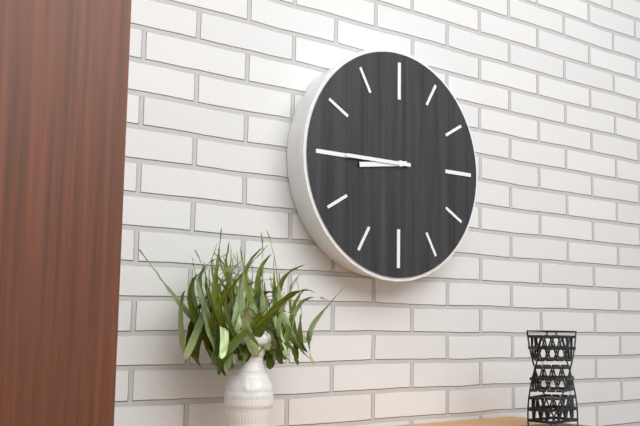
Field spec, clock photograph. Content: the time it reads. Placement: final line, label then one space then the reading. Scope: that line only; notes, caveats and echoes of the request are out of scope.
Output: 8:45
